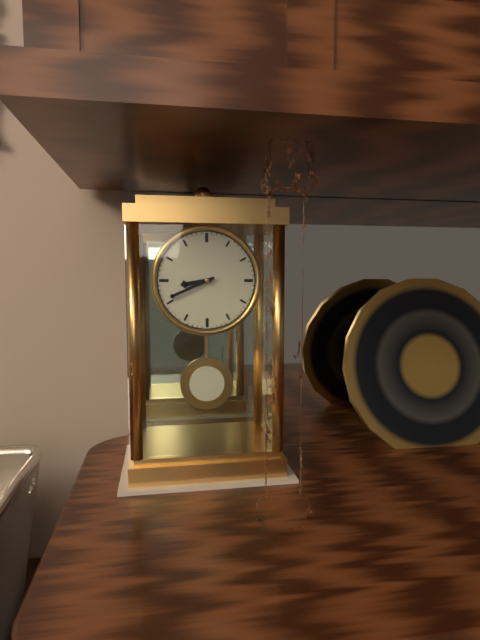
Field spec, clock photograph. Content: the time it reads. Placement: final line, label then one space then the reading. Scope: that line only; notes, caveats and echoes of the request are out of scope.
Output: 8:41
